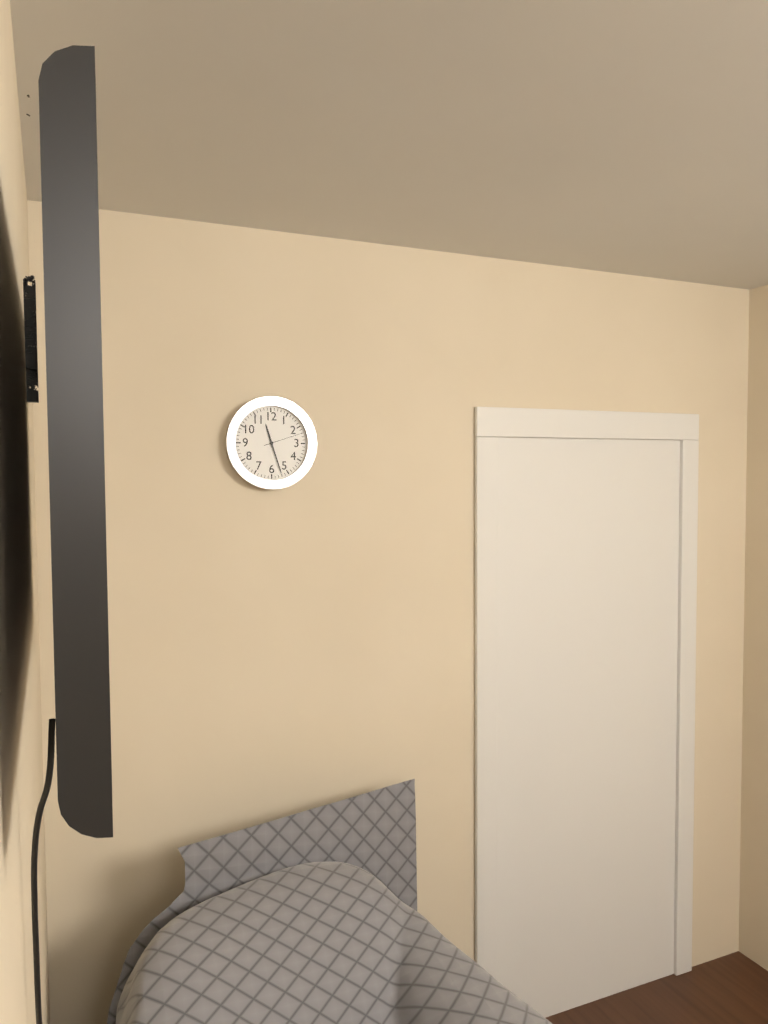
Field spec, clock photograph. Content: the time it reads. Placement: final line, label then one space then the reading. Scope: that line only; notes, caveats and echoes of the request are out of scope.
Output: 11:27
